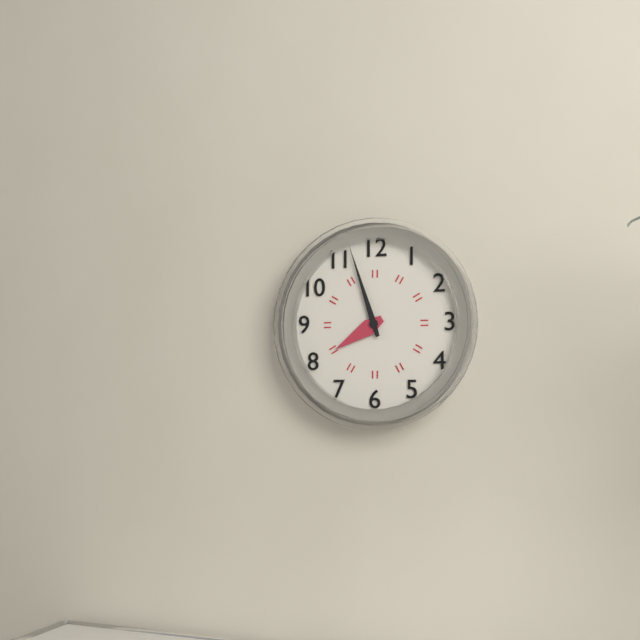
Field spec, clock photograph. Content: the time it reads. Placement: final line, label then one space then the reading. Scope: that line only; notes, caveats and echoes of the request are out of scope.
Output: 7:57
